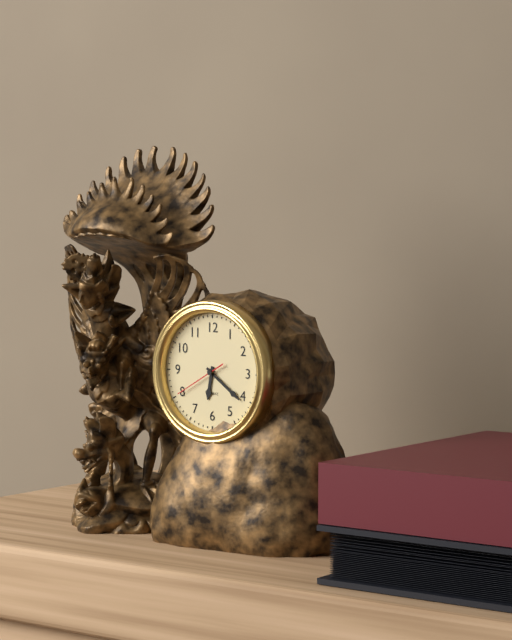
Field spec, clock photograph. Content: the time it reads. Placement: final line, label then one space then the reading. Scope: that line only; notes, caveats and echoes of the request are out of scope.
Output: 6:21
